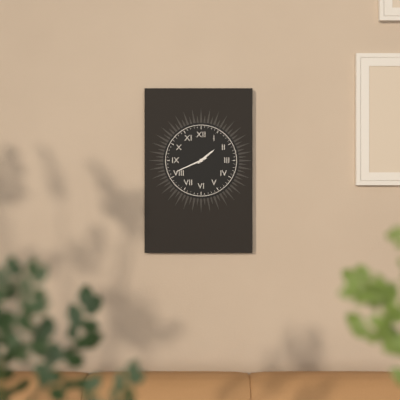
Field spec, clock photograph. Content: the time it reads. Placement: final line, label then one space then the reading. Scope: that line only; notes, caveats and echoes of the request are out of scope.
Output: 1:41
